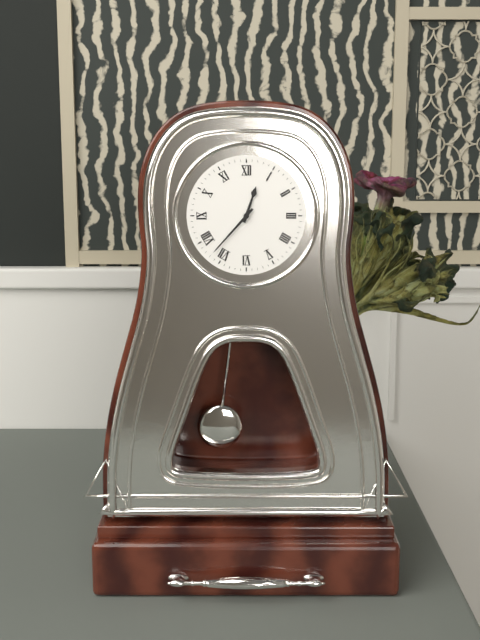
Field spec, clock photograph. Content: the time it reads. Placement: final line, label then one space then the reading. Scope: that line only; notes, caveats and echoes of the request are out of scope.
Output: 12:37
